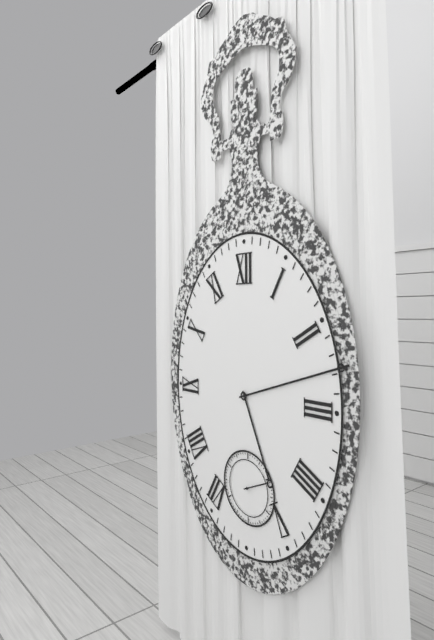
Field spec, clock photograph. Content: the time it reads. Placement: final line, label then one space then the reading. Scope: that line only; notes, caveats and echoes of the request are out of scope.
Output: 5:12
